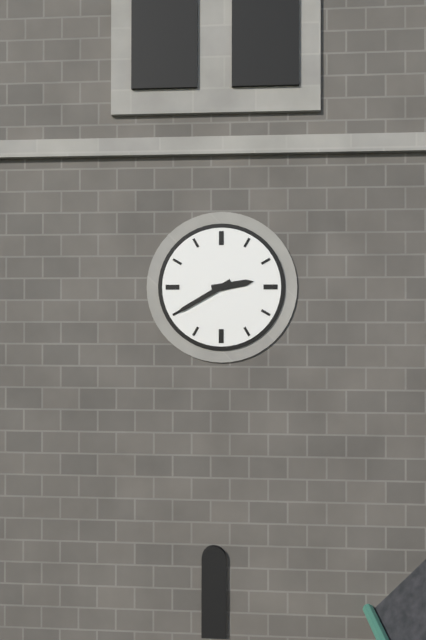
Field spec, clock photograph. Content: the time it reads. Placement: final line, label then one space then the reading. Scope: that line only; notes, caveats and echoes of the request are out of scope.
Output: 2:40
